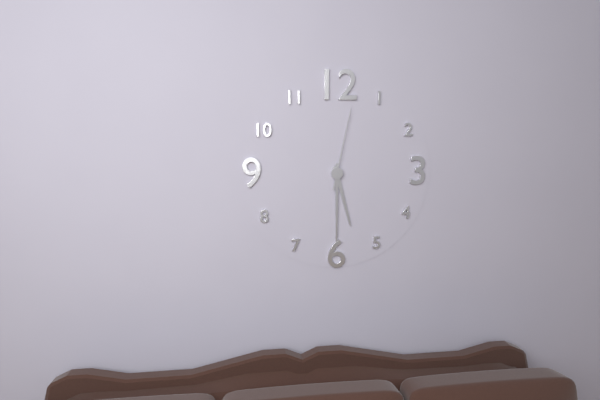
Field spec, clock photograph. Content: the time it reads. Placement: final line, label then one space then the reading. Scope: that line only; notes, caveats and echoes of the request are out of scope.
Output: 5:30:02
